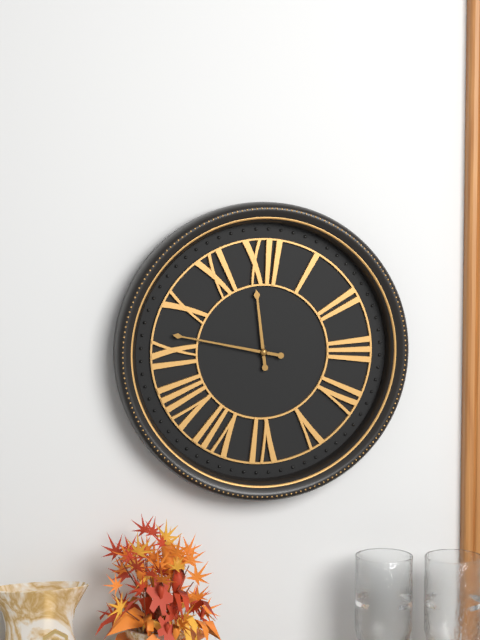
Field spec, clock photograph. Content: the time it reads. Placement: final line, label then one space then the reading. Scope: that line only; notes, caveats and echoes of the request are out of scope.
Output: 11:47
